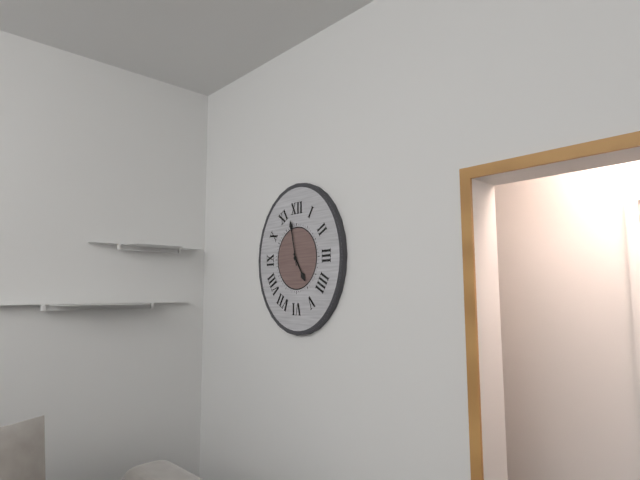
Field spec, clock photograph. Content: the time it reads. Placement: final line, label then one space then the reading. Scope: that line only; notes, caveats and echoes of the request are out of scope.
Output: 4:58
